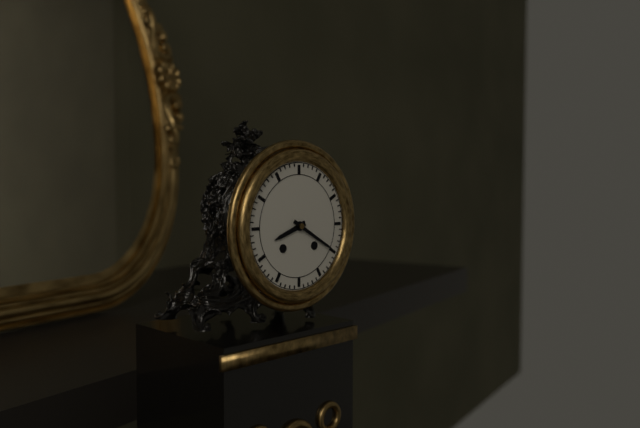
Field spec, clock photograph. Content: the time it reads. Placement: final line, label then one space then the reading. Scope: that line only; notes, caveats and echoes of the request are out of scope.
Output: 8:20
